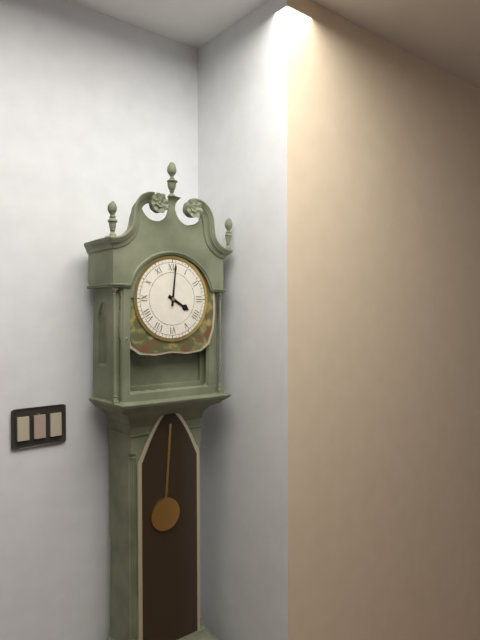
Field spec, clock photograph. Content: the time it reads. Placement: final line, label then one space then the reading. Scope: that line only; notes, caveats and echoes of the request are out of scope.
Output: 4:01
